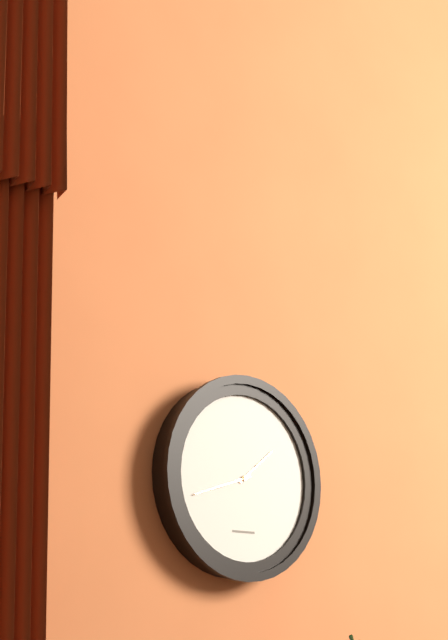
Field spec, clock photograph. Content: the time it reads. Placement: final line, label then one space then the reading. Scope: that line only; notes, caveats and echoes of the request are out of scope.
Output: 1:42
